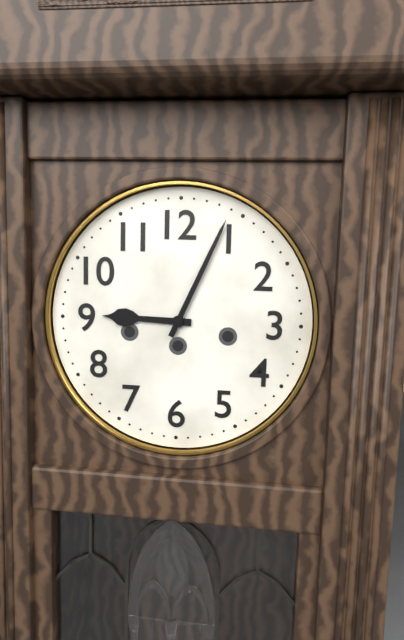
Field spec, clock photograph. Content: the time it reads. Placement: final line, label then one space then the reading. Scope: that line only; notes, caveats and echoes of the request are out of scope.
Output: 9:04
